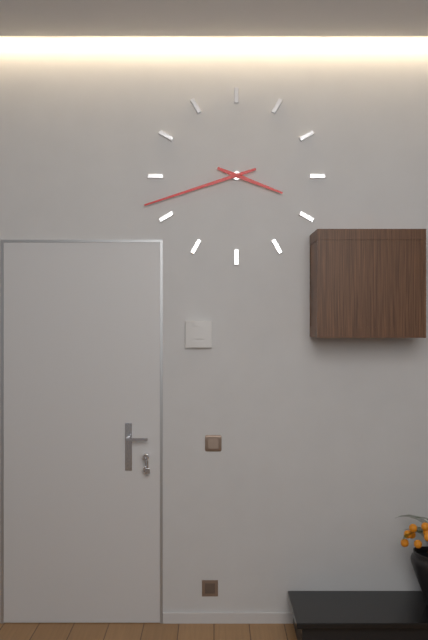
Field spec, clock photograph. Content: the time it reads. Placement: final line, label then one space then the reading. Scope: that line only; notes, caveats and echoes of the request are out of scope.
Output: 3:42
